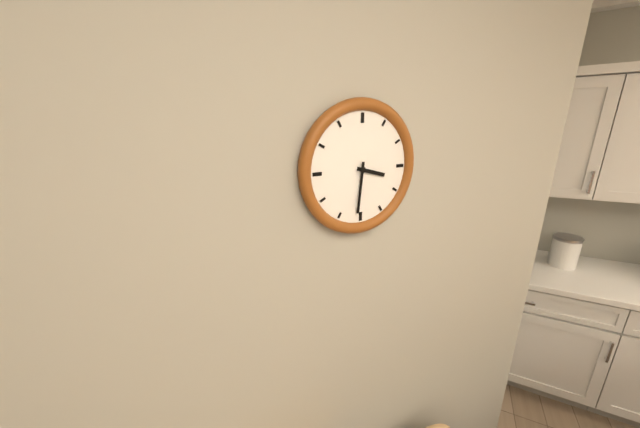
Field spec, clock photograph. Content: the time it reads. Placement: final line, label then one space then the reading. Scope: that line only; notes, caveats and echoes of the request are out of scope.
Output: 3:31
